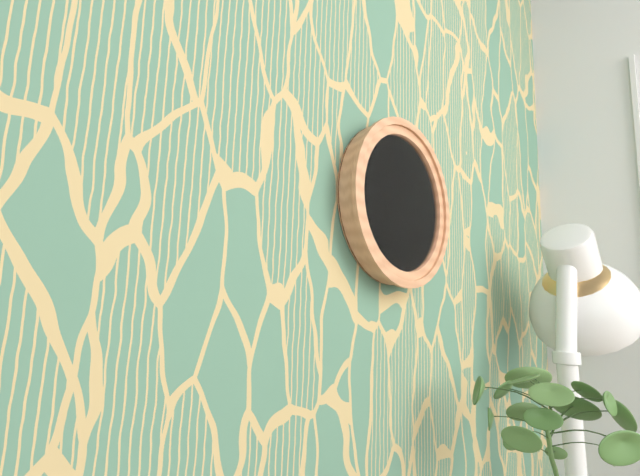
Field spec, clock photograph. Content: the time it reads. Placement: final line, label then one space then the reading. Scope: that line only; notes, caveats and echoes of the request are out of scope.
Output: 11:29
